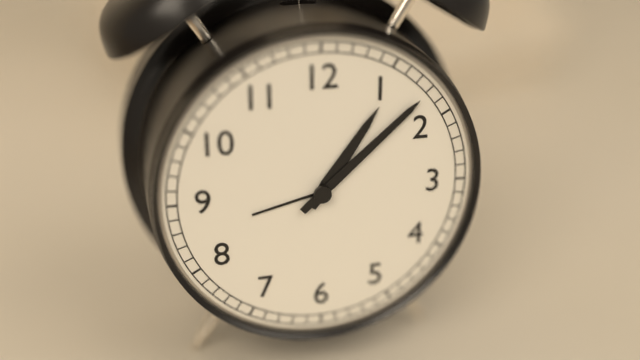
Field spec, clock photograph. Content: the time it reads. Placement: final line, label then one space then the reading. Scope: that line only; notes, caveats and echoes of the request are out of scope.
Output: 1:08
